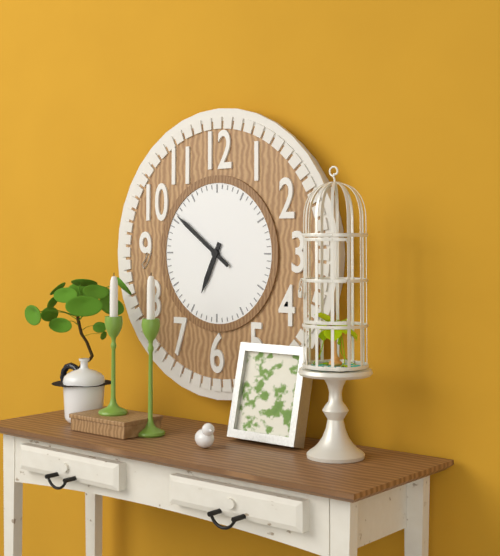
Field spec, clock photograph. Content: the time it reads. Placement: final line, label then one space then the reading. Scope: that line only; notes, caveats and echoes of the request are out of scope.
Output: 6:51
